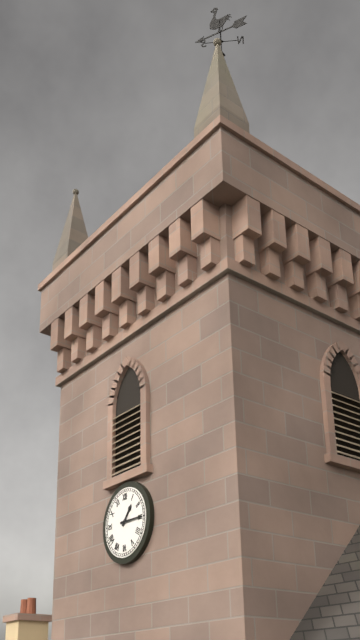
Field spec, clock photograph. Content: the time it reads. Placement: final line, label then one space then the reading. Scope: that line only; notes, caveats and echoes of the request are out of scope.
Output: 1:15
